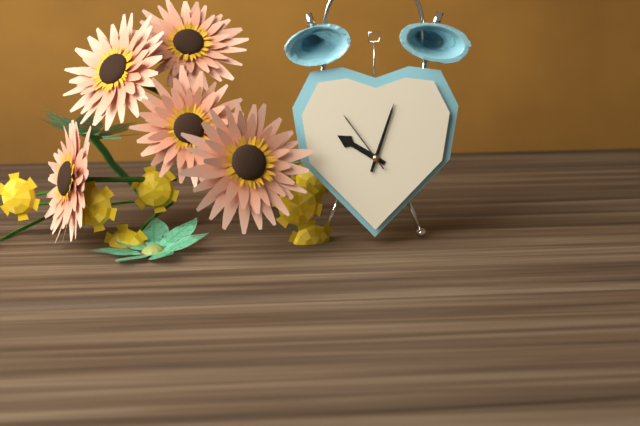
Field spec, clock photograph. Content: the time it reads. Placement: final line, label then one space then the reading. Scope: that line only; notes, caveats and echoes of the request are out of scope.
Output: 10:03:54
